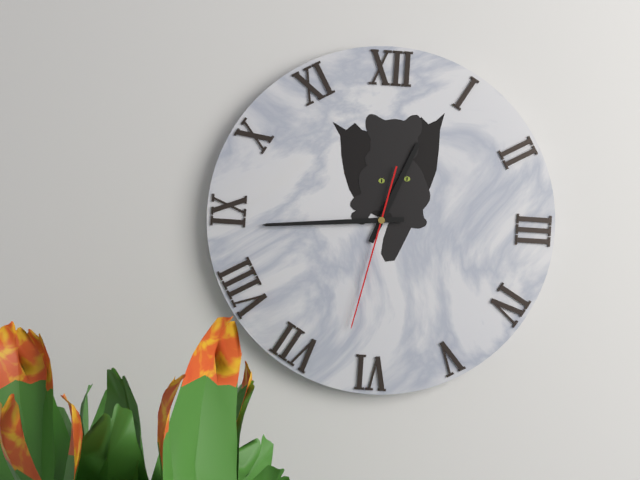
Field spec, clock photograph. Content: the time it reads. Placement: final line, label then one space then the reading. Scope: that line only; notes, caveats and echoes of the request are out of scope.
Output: 12:44:32
